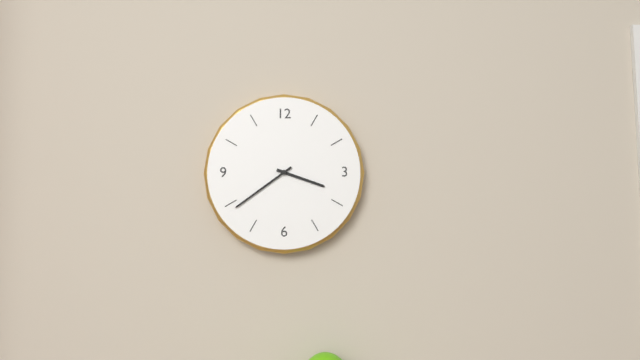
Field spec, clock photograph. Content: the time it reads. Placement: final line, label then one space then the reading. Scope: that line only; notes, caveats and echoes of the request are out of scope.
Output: 3:39
